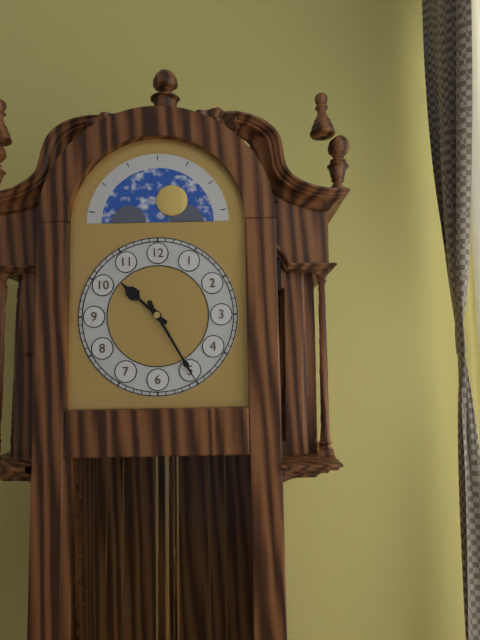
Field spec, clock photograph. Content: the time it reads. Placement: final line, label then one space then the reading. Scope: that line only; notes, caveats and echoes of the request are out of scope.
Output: 10:25
